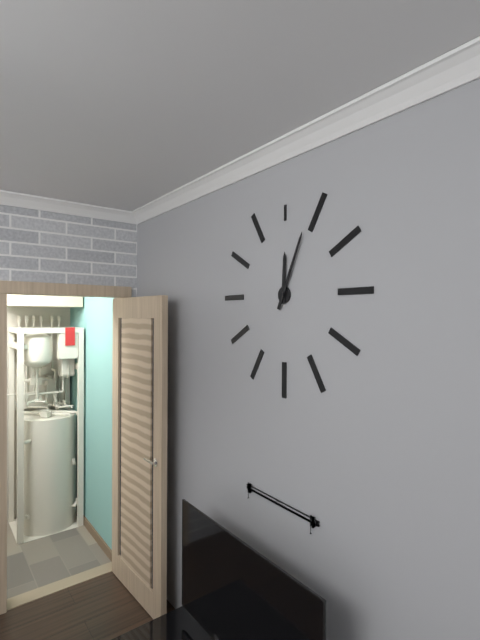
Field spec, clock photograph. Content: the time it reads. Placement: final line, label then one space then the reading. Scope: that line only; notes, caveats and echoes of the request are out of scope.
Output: 12:04
